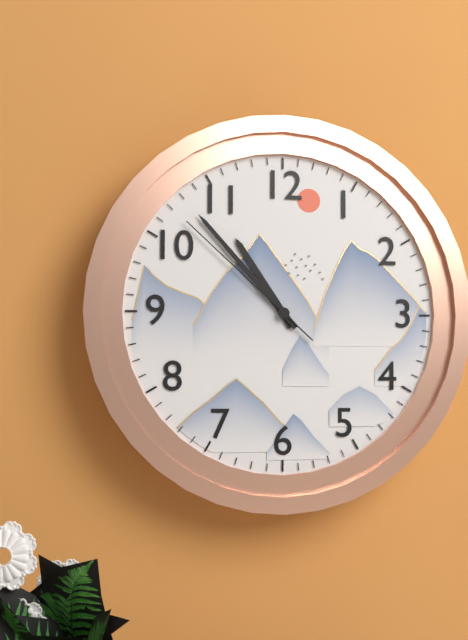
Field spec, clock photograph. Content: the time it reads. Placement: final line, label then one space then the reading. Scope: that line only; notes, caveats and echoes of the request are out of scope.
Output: 10:53:52
